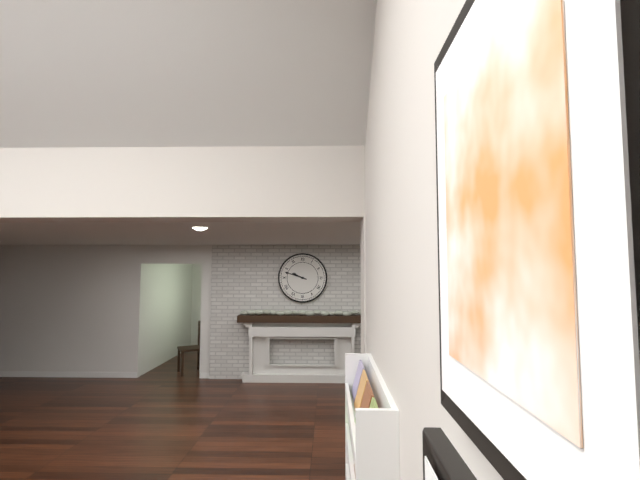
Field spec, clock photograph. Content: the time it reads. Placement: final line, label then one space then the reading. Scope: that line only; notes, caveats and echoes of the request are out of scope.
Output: 9:48
